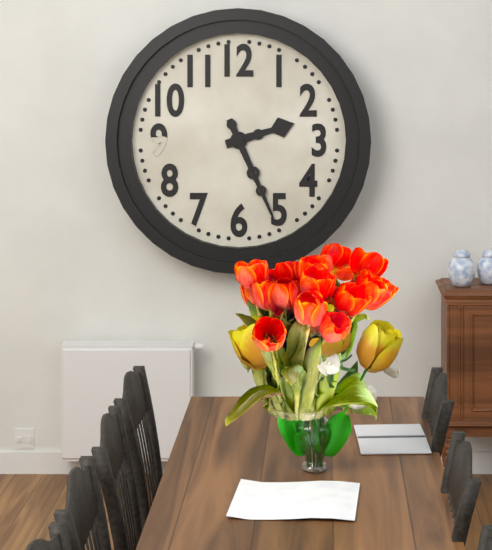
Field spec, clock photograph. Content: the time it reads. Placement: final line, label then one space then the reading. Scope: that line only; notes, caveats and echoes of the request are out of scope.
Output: 2:26
